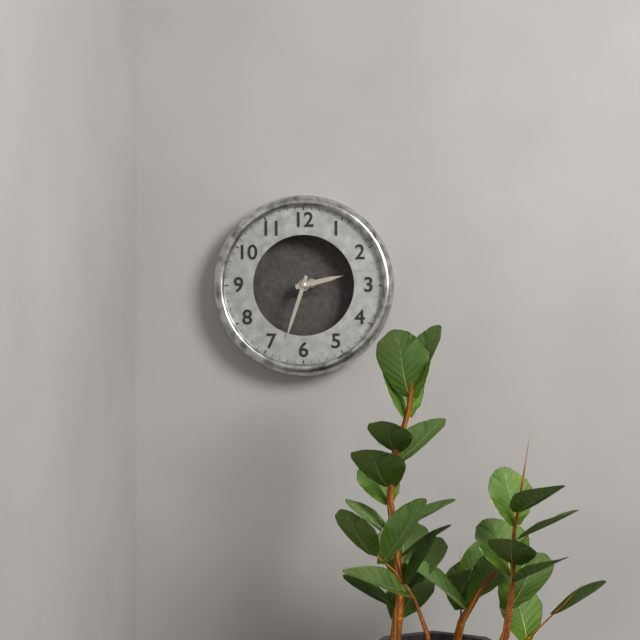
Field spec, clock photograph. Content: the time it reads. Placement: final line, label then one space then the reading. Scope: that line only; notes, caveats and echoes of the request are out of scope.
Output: 2:33
